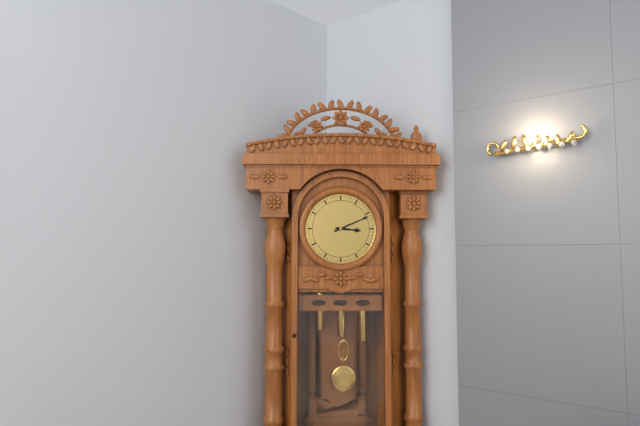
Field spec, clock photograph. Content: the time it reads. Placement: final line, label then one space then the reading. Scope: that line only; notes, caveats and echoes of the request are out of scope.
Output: 3:11
